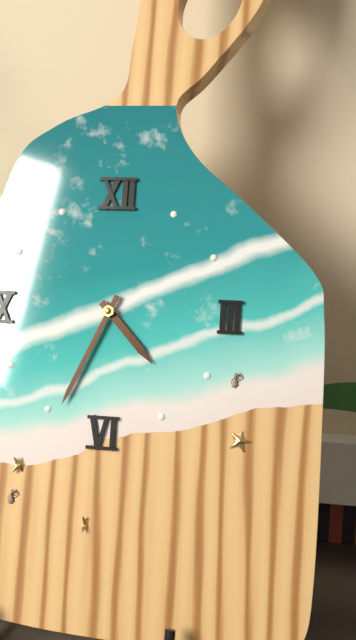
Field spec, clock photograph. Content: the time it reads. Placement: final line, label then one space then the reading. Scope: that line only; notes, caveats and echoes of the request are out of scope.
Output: 4:34
